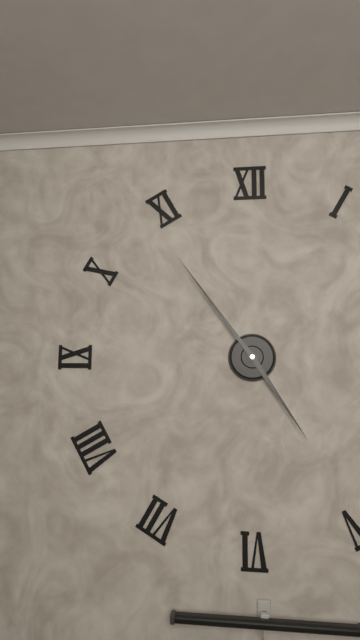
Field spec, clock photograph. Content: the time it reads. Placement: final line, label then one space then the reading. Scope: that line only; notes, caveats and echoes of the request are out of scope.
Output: 4:54
